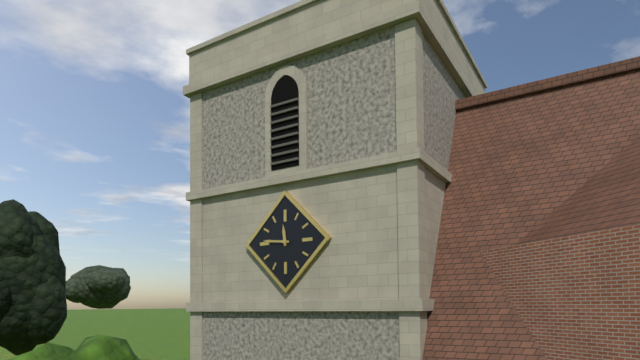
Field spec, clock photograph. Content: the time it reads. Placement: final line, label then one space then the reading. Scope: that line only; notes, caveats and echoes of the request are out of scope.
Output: 11:46
